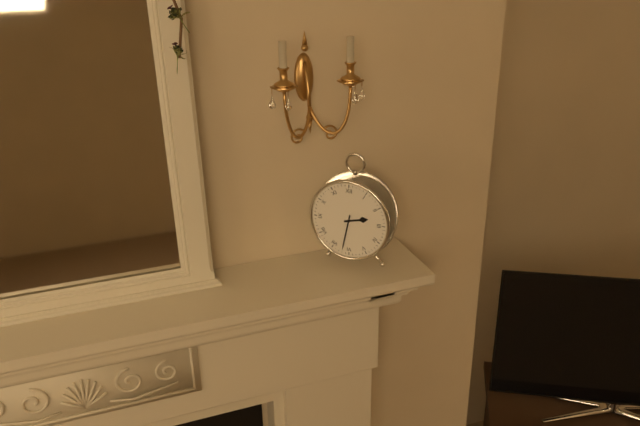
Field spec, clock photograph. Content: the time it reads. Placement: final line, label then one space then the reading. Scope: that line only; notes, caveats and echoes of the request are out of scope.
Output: 2:32
